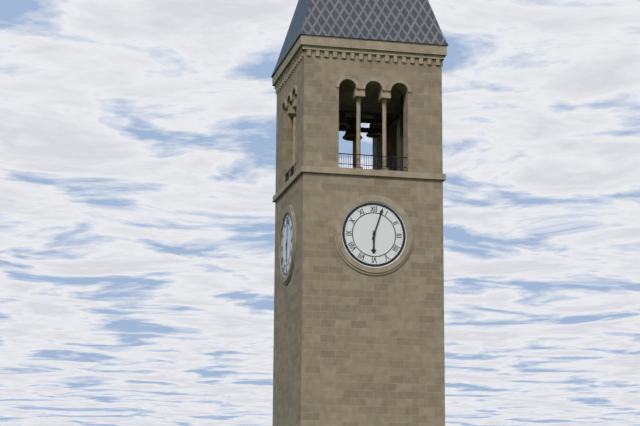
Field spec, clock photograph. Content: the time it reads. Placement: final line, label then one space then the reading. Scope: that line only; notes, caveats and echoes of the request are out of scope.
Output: 6:03
